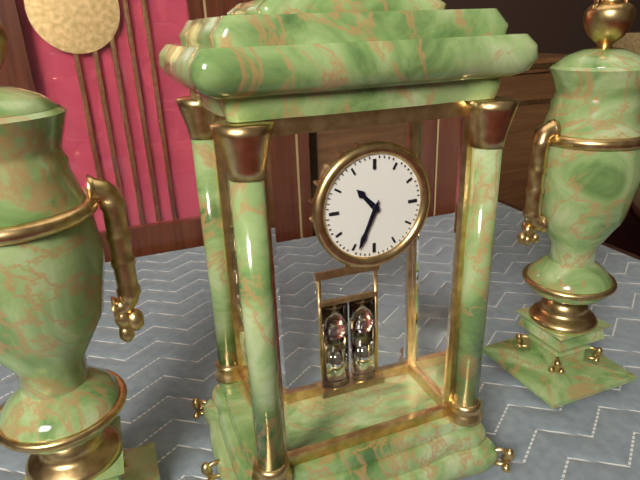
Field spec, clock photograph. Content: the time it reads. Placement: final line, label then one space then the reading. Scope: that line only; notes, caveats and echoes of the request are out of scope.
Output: 10:34
